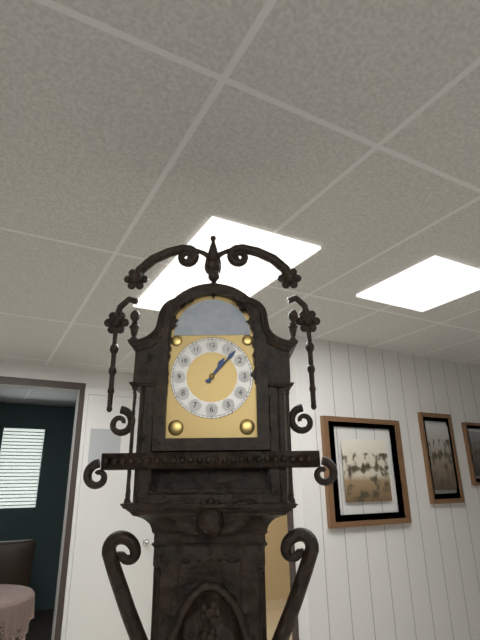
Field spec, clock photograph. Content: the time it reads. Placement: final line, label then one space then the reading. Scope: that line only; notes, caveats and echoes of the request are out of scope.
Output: 1:07
